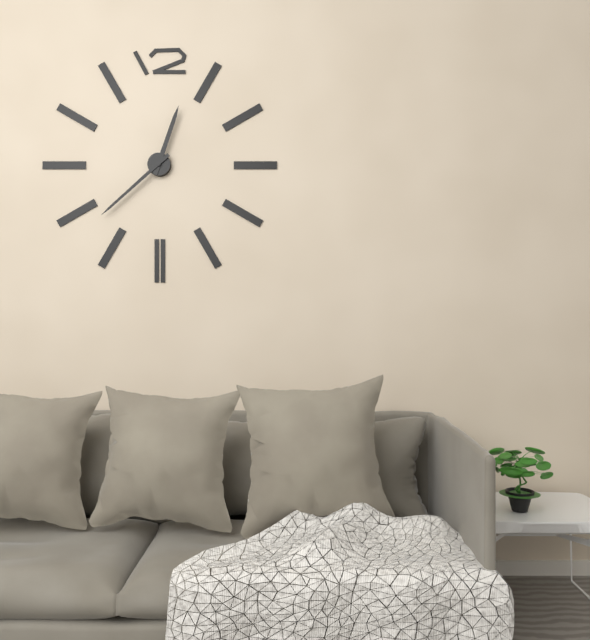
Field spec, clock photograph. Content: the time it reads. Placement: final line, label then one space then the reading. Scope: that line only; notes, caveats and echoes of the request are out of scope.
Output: 12:38
